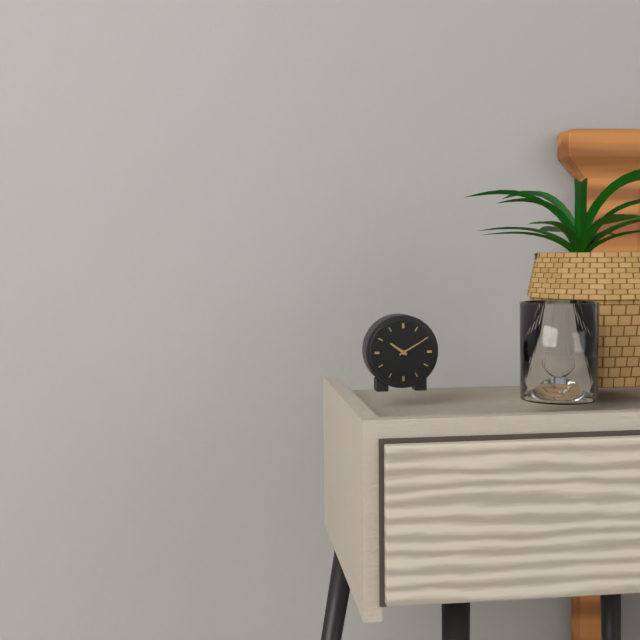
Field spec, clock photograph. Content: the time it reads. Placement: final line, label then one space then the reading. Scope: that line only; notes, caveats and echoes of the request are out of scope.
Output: 10:10
